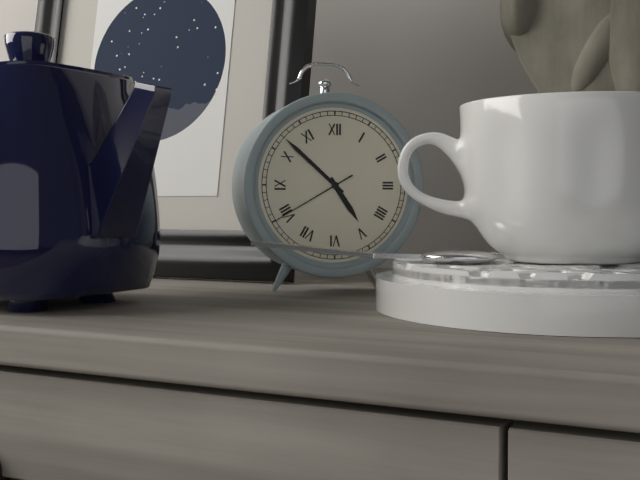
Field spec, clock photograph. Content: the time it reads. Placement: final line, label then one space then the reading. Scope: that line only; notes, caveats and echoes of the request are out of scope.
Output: 4:52:40
